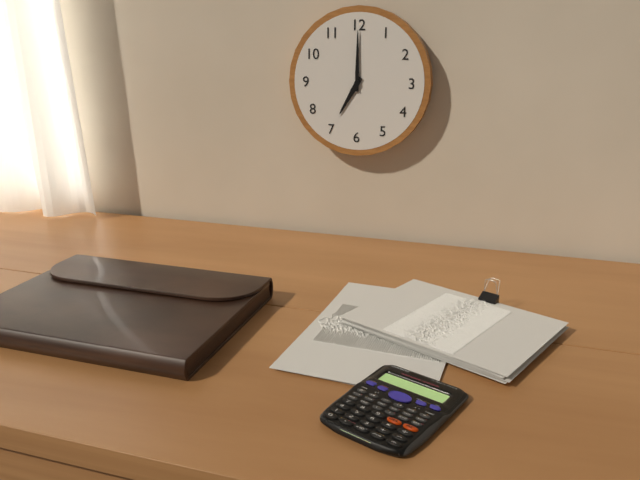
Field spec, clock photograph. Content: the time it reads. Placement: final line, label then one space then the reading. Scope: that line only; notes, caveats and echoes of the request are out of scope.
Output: 7:00
